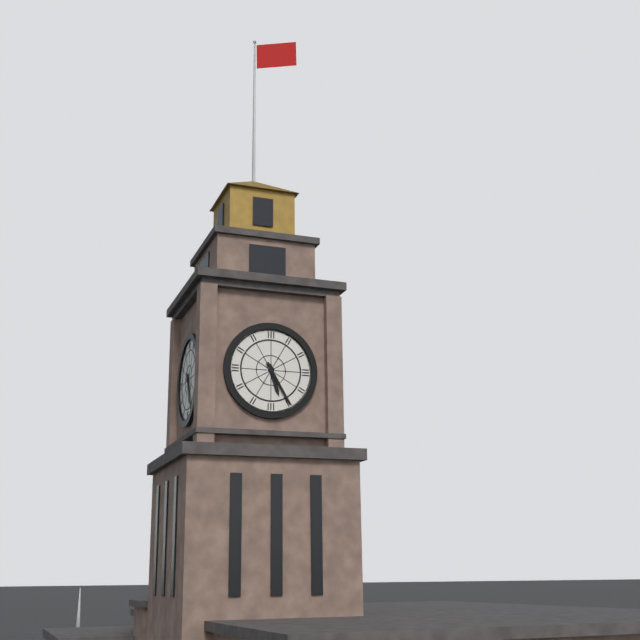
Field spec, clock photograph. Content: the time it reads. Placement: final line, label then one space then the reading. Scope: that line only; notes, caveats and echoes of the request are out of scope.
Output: 5:25
